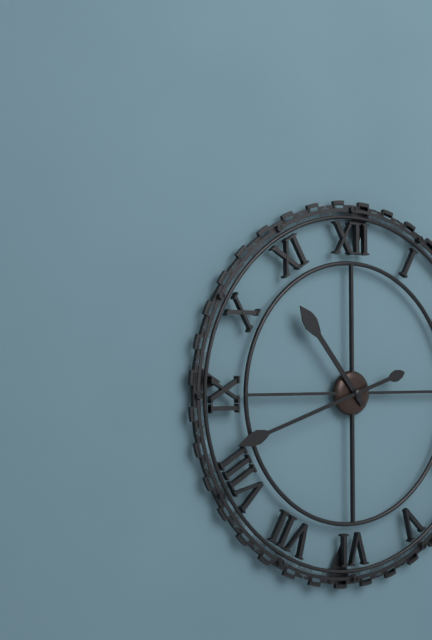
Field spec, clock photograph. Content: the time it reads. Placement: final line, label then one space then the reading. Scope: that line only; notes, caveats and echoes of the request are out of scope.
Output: 10:42
